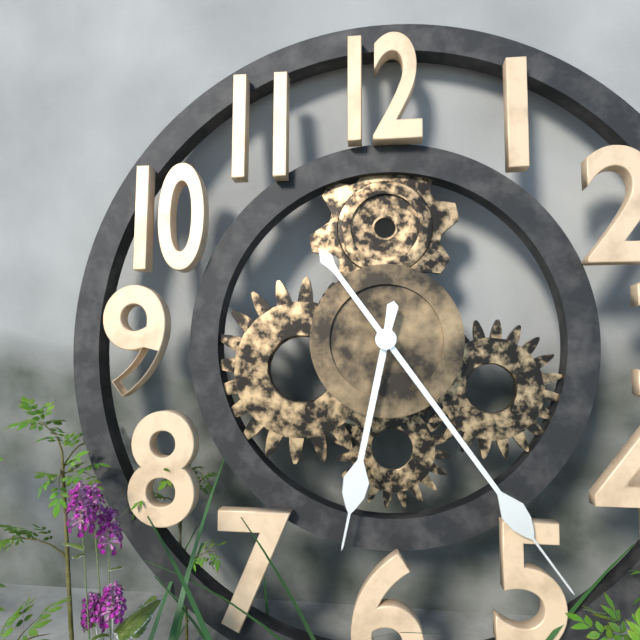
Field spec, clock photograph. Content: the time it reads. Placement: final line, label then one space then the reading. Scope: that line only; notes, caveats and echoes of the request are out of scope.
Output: 6:24
